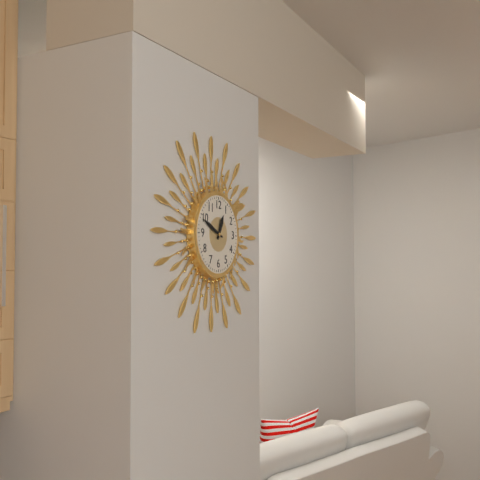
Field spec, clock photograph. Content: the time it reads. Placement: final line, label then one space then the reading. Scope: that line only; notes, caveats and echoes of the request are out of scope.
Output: 12:49
